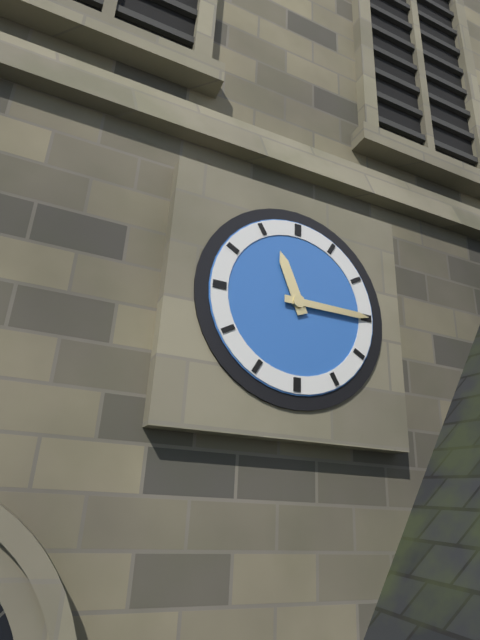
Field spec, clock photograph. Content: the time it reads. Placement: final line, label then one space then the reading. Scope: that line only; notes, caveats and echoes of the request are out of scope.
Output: 11:15
